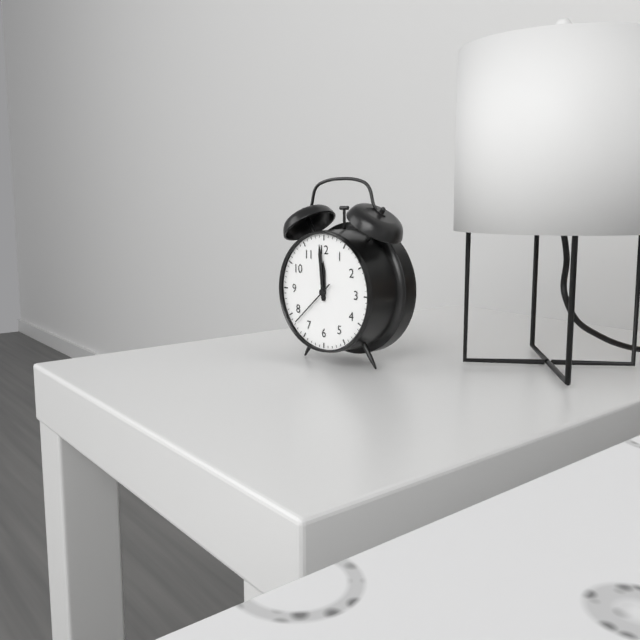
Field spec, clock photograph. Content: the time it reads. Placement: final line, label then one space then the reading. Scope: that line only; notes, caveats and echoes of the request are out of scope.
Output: 11:59
